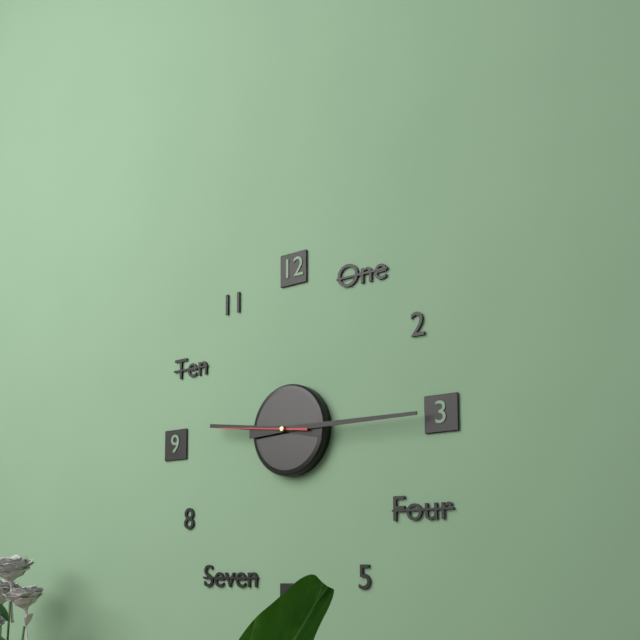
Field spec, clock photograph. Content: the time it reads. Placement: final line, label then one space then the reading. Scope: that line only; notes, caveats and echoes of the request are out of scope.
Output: 9:15:46
